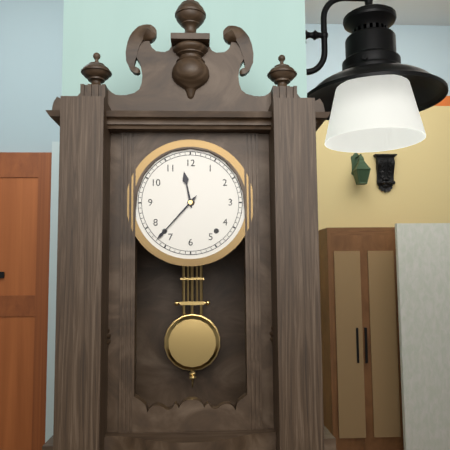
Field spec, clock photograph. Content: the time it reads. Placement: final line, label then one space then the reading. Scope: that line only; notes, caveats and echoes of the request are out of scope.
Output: 11:37
